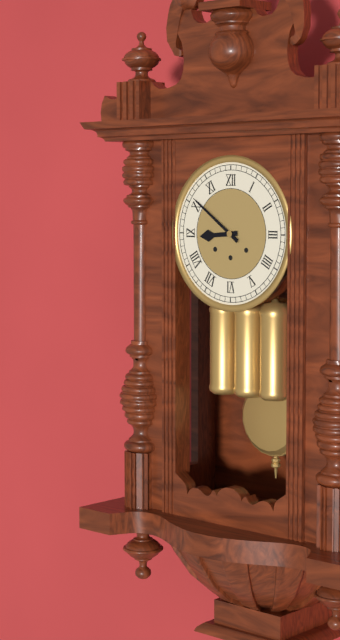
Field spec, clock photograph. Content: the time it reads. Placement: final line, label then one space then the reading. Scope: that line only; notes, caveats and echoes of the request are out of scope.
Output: 8:51
